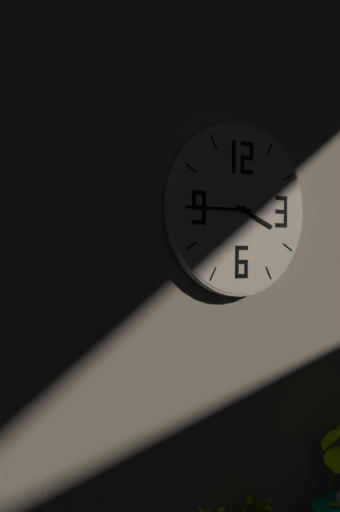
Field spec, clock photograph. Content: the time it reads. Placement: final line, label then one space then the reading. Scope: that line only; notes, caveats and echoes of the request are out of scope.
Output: 3:45
